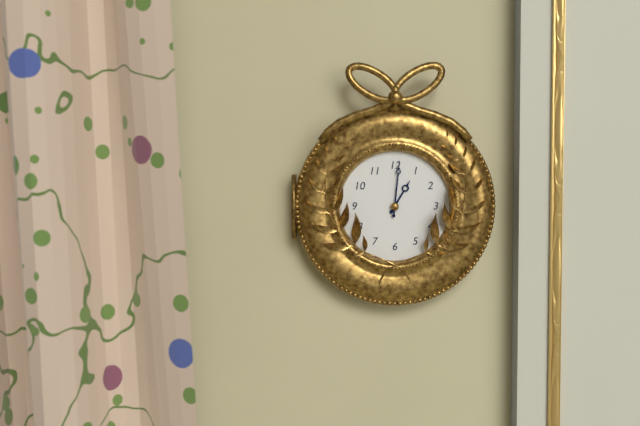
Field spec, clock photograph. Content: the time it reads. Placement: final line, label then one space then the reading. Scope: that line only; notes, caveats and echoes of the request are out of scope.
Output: 1:01
